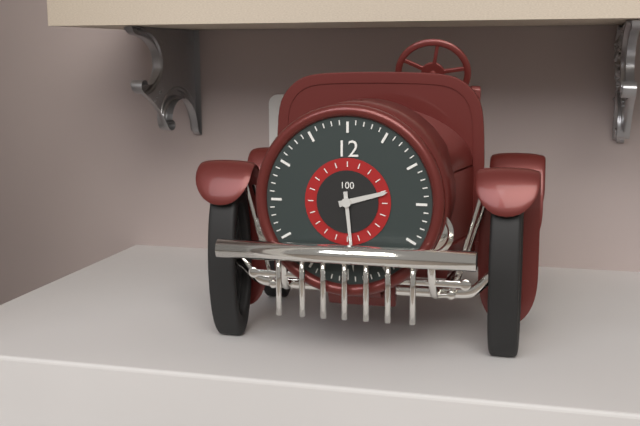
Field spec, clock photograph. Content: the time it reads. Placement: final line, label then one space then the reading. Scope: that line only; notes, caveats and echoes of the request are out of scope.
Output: 2:29
